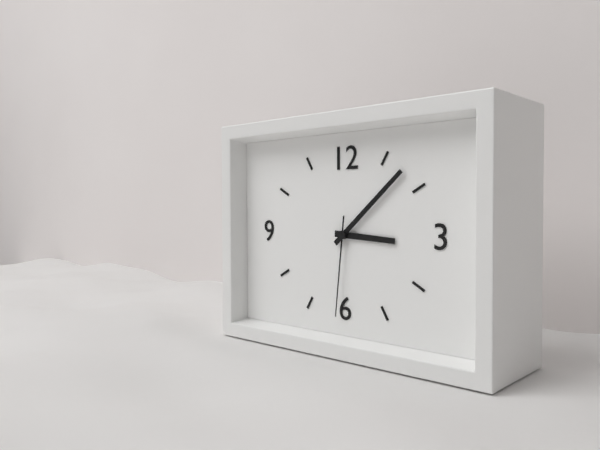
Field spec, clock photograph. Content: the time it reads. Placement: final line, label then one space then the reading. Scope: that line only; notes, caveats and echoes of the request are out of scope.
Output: 3:08:31
